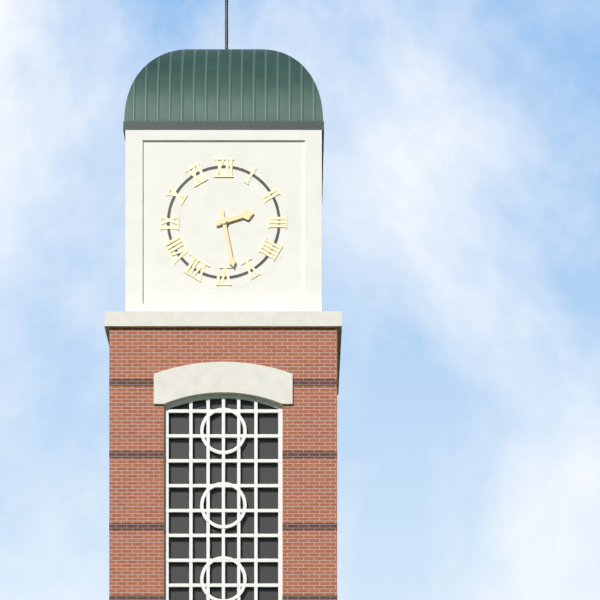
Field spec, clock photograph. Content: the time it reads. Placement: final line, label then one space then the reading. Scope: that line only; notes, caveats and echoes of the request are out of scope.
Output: 2:28
